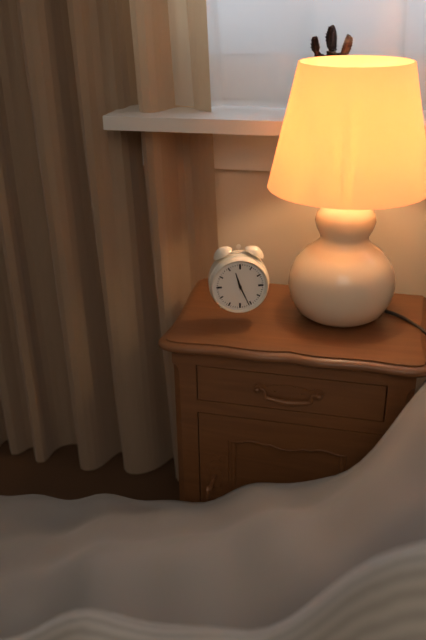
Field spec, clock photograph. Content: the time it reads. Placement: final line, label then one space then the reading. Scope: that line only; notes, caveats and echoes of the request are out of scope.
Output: 11:26
